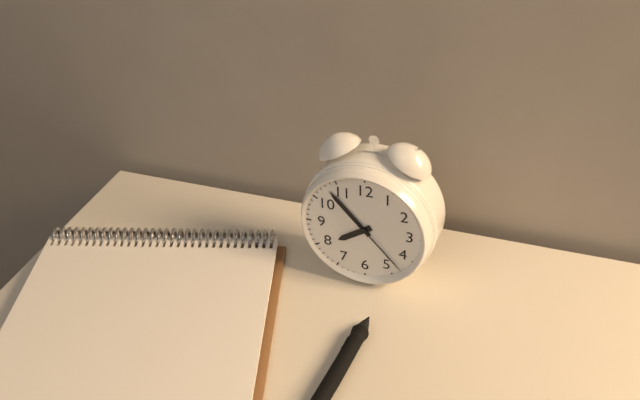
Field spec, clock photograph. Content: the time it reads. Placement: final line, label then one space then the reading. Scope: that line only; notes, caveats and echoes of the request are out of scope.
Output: 7:53:23
